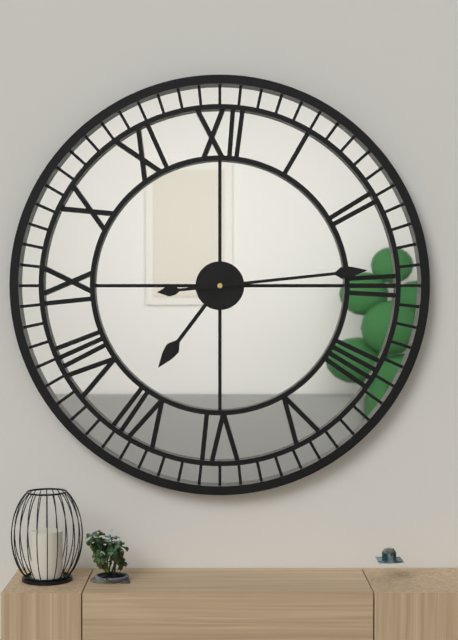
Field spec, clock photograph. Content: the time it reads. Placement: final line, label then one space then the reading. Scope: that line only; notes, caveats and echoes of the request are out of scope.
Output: 7:14
